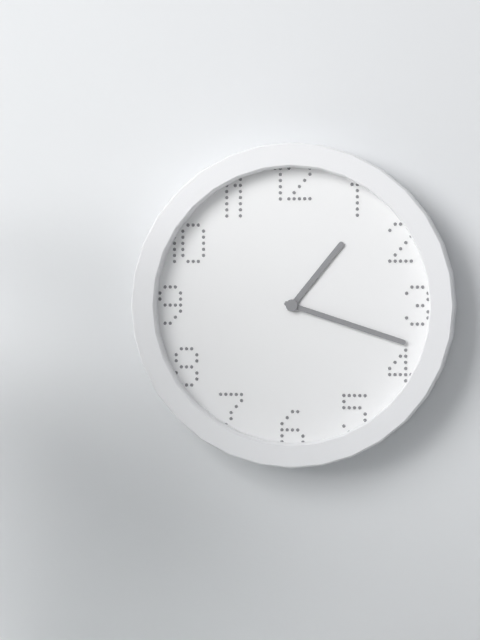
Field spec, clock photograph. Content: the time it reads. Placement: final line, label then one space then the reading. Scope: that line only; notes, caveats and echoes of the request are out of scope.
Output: 1:18
